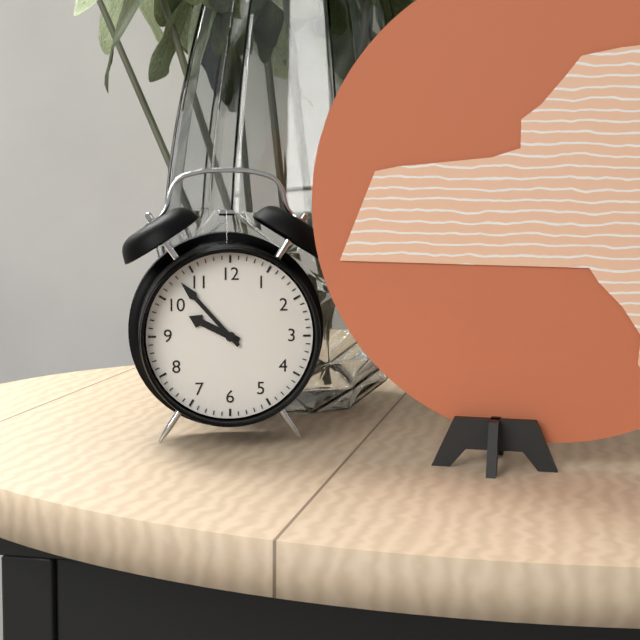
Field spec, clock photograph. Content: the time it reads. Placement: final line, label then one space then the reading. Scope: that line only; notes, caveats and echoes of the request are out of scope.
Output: 9:53
